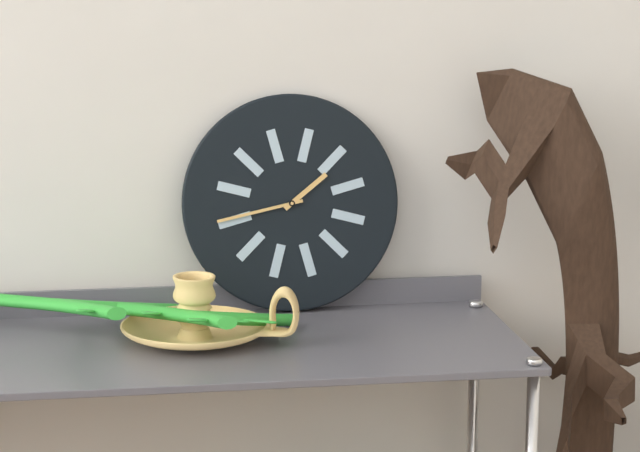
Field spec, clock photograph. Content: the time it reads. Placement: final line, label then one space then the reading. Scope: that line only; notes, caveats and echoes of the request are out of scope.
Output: 1:43
